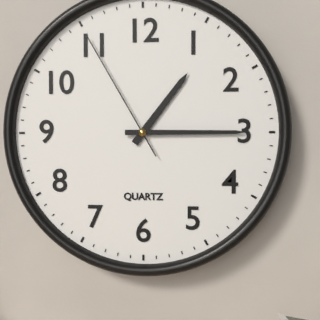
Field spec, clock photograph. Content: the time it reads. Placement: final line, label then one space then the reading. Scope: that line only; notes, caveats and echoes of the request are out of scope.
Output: 1:15:55
